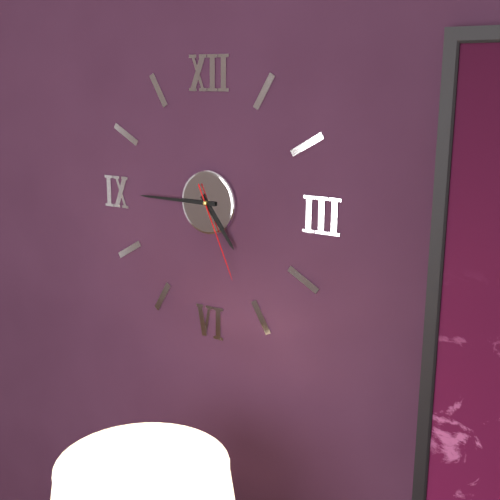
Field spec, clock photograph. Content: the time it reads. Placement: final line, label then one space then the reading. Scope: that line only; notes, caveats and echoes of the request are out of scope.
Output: 4:45:26
